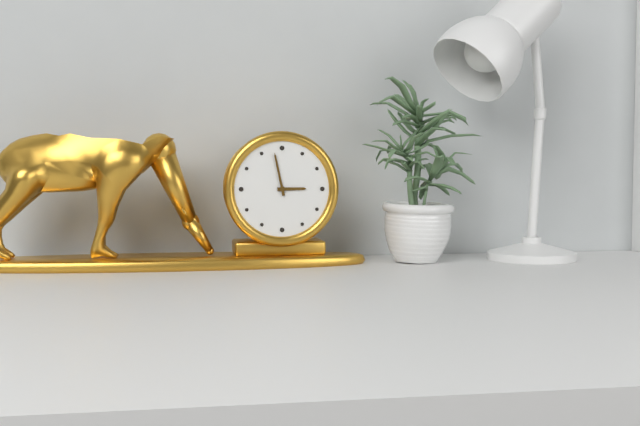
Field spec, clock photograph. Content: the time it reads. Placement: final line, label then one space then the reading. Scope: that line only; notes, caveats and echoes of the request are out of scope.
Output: 2:58
